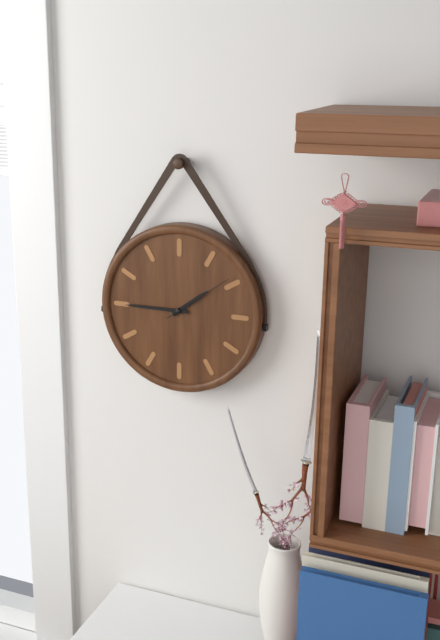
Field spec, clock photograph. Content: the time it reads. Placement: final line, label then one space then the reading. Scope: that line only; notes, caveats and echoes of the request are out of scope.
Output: 1:45:09
